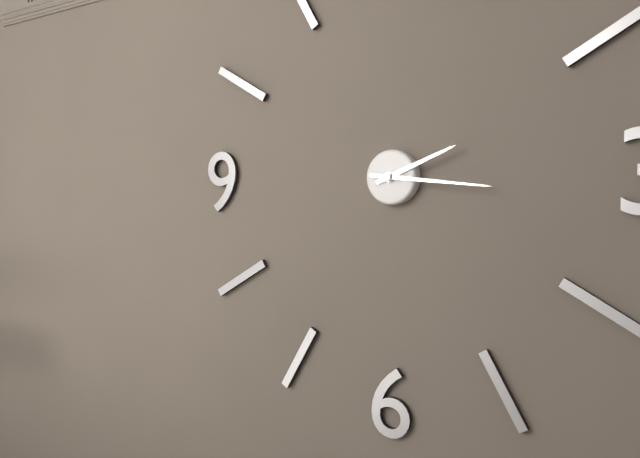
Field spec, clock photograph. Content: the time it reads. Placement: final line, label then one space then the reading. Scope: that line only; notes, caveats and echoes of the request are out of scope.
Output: 2:16
